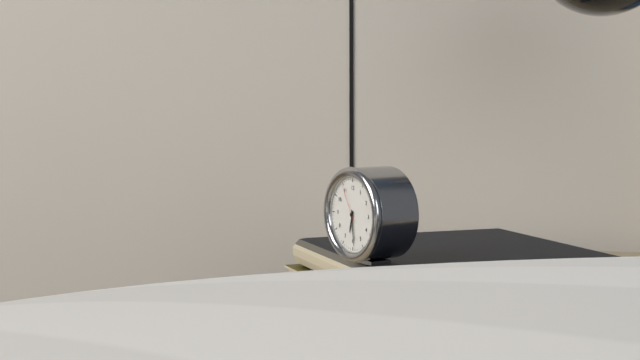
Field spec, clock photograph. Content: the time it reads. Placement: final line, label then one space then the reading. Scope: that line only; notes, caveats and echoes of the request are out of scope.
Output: 6:29
